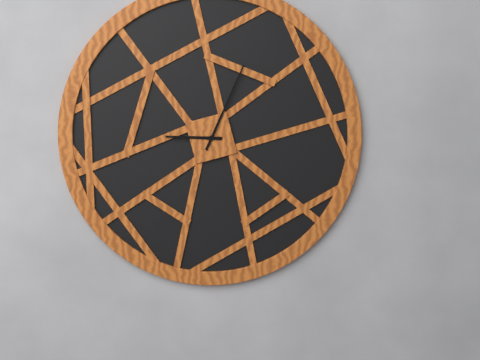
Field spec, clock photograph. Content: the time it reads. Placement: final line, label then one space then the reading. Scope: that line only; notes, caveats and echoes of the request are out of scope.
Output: 9:04
